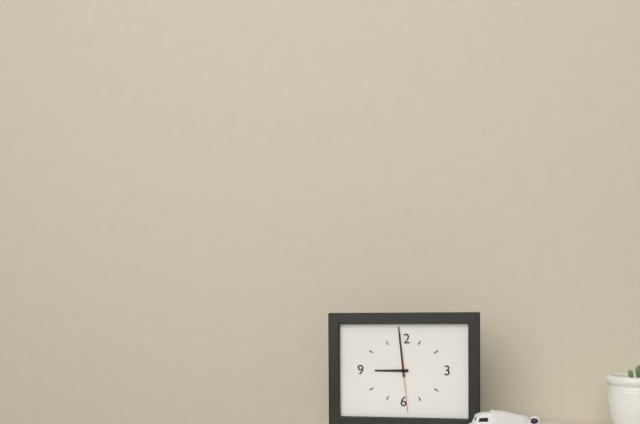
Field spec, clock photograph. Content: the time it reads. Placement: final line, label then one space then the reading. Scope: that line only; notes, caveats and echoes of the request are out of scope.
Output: 8:59:29
